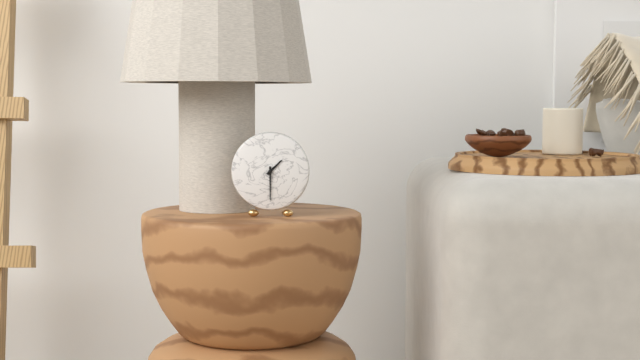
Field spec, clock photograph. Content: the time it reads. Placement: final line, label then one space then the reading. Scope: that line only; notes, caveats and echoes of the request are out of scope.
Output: 1:30
